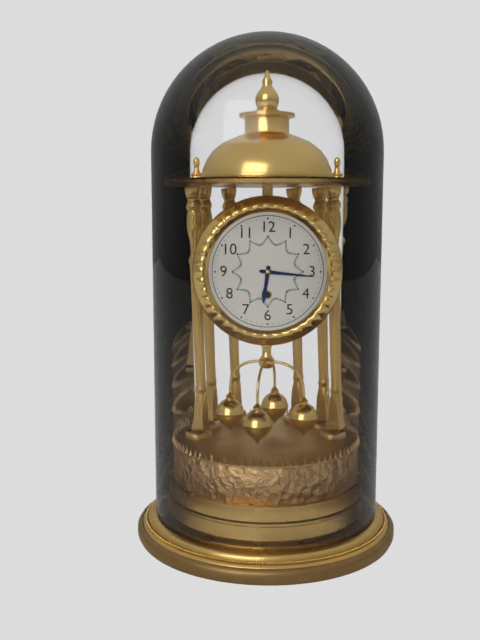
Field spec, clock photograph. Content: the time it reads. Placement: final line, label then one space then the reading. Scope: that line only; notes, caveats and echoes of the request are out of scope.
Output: 6:16
